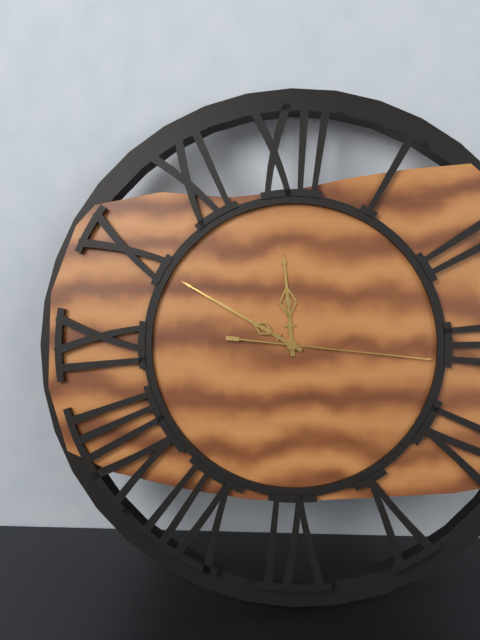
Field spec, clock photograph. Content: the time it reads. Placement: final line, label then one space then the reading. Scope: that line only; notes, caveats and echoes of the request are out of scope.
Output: 11:50:16
